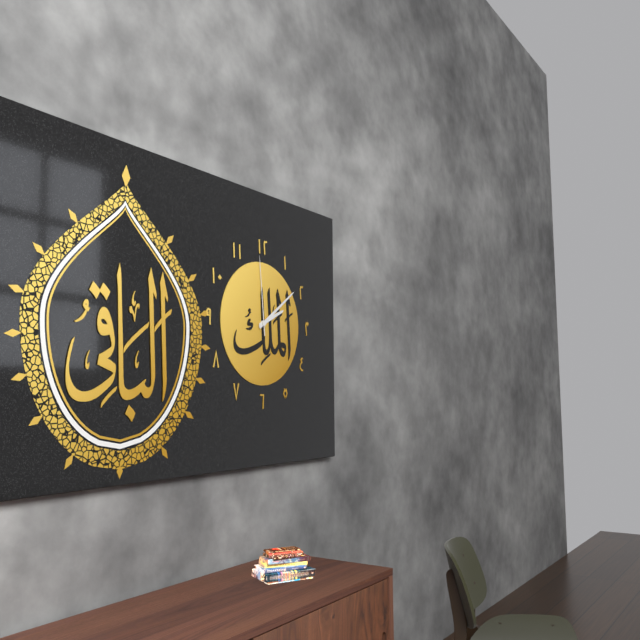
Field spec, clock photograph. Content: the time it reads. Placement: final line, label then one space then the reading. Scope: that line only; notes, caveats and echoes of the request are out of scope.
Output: 2:09:59
